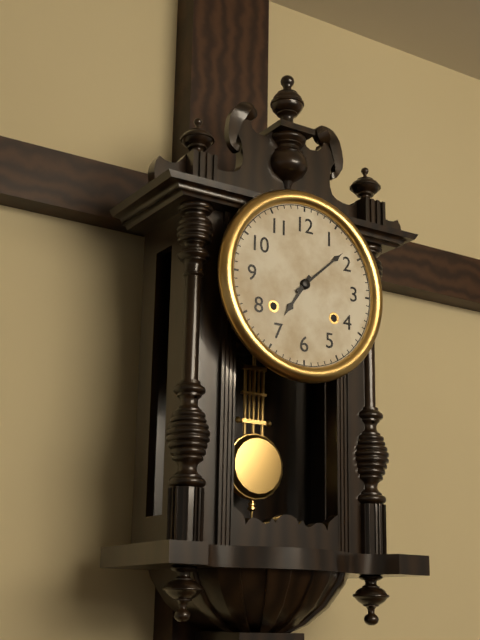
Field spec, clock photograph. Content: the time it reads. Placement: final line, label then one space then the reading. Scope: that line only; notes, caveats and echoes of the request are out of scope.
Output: 7:08
